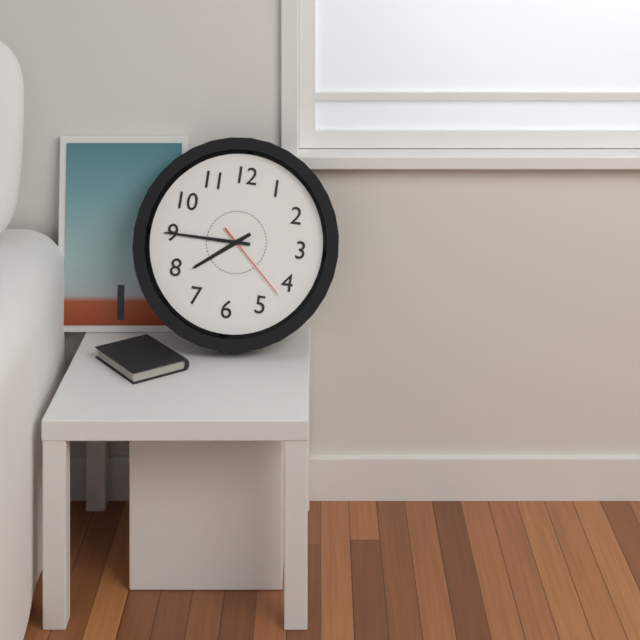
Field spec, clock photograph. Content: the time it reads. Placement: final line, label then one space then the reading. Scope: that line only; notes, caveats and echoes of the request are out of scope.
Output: 7:45:22
